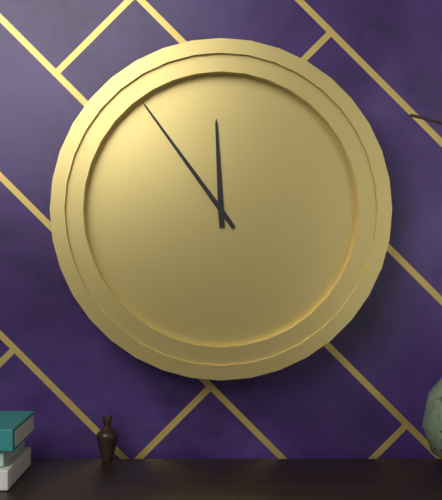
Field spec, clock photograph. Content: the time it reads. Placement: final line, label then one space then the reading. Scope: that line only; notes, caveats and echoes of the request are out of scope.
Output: 11:54
